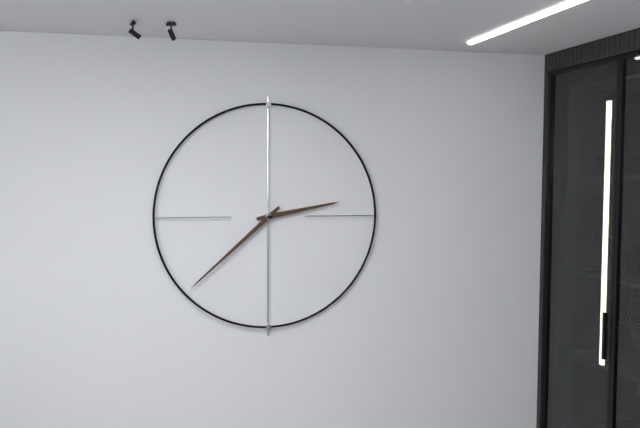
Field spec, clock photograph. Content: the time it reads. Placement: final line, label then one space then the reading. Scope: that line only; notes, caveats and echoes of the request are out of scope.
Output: 2:38
